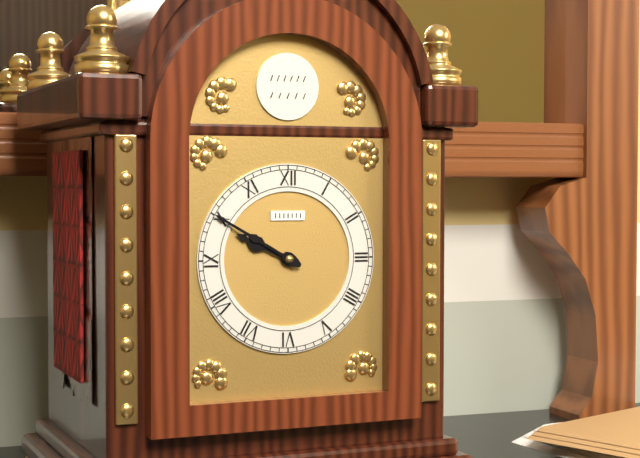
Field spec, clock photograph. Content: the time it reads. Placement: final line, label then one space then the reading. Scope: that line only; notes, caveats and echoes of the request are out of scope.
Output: 9:50
